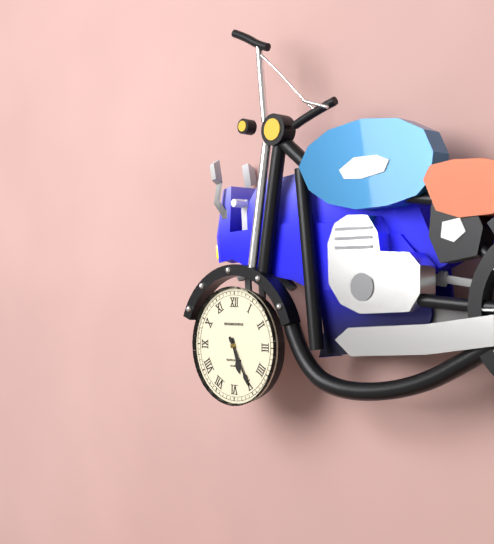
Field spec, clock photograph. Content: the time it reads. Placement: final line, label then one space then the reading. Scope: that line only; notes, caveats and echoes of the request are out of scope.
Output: 5:25
